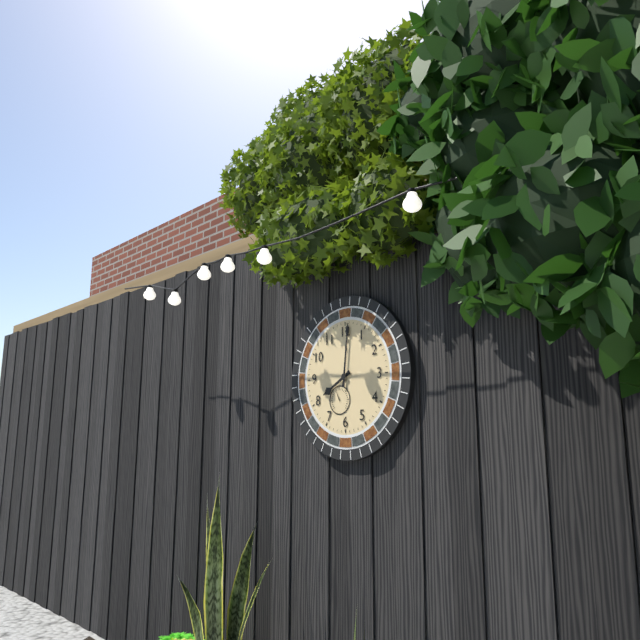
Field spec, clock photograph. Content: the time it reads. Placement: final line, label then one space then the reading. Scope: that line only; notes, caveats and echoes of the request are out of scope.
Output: 8:01
